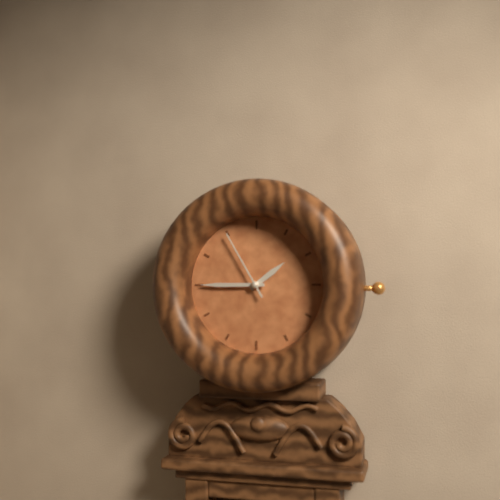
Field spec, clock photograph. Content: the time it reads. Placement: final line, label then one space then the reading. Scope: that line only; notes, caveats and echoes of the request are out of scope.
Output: 1:45:55
